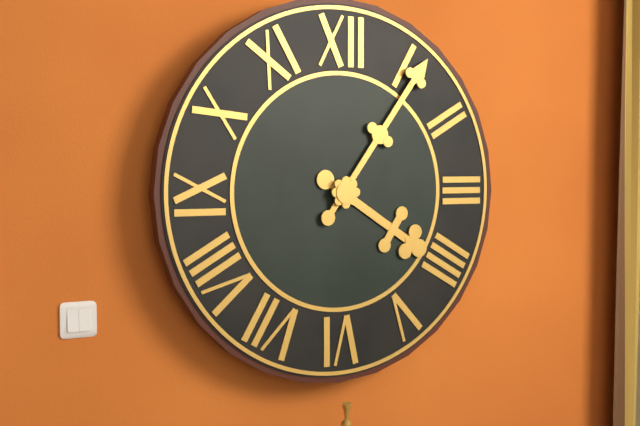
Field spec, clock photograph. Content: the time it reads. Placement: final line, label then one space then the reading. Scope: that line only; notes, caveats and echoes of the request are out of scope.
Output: 4:06
